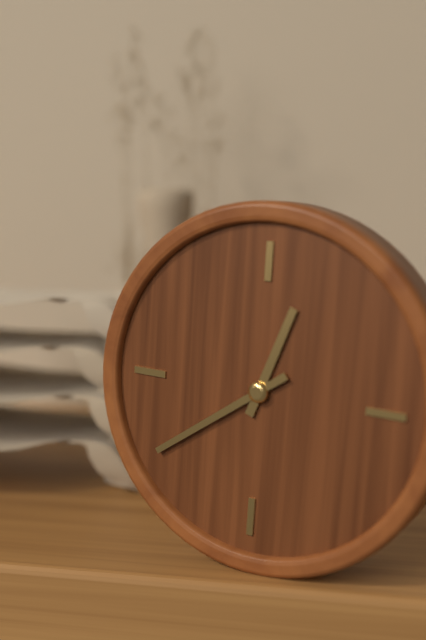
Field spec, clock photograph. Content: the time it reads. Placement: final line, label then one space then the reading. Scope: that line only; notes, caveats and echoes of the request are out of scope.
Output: 12:39
